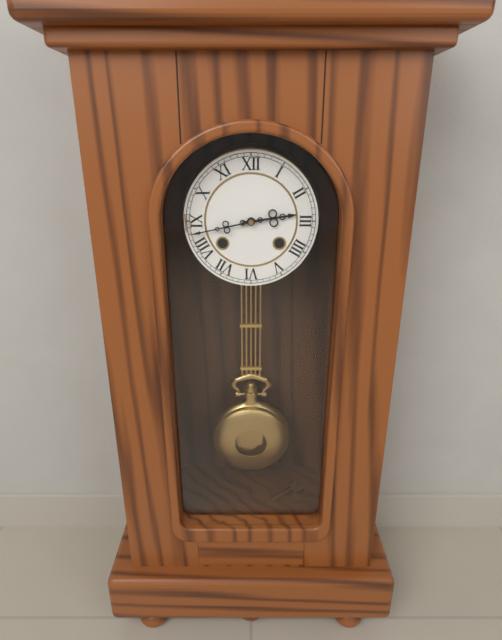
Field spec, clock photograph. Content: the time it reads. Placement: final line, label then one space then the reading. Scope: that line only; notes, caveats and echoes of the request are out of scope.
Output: 2:43
